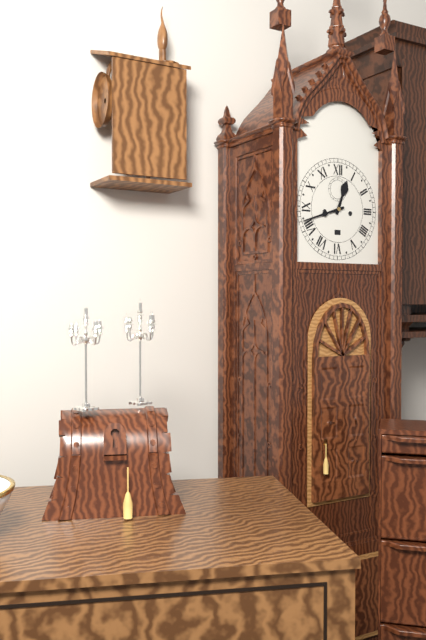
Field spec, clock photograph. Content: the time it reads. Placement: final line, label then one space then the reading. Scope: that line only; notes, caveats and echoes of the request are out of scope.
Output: 12:42
